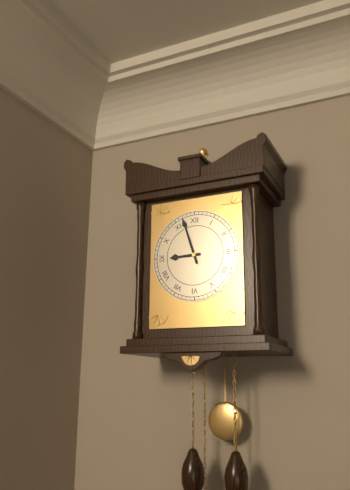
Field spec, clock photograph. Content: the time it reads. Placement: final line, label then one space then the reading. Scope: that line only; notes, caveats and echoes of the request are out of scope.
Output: 8:57
